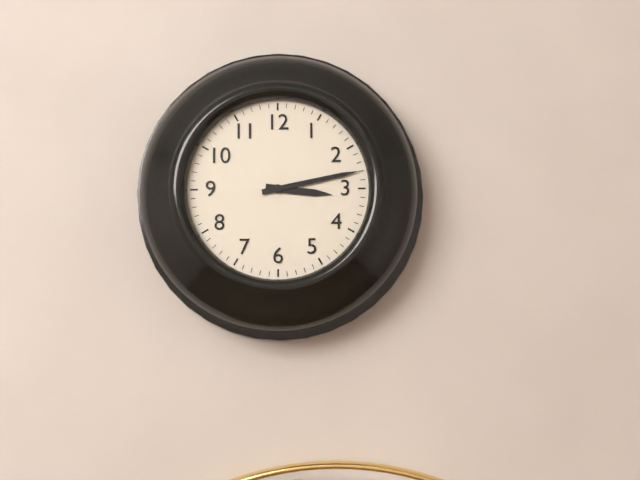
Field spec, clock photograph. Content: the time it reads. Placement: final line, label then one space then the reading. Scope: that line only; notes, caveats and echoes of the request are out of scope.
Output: 3:13
